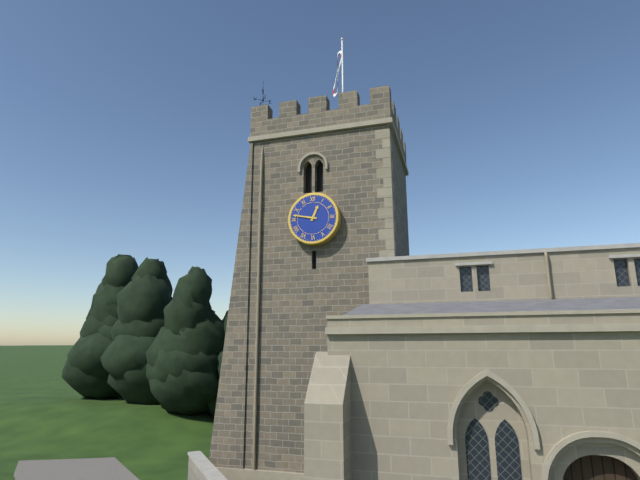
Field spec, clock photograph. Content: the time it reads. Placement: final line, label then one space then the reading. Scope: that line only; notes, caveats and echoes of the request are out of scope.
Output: 12:47
